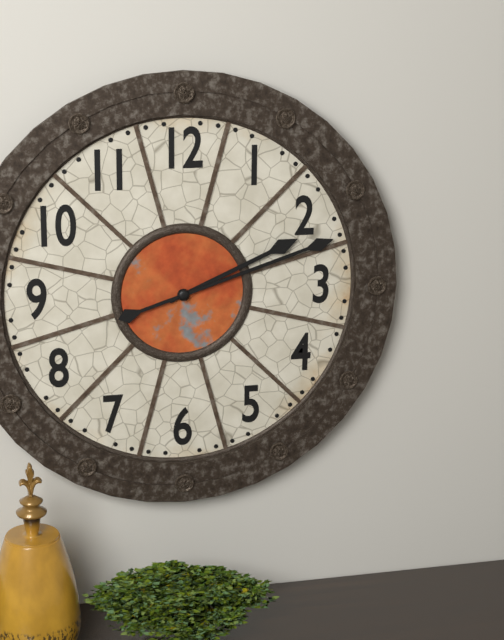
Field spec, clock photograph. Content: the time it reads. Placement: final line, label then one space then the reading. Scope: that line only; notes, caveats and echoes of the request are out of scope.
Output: 2:12
